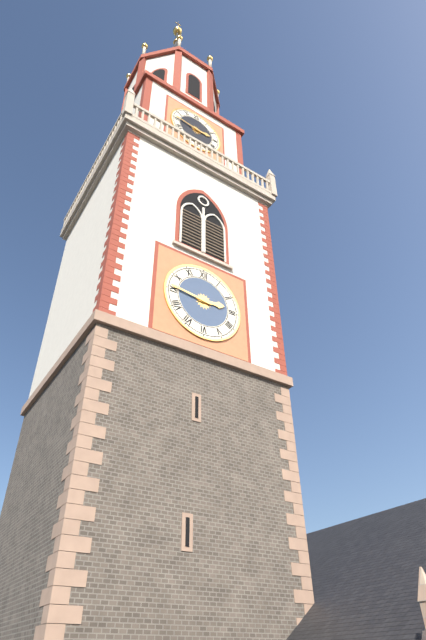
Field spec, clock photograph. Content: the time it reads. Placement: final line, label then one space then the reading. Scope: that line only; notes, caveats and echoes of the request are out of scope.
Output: 2:46
